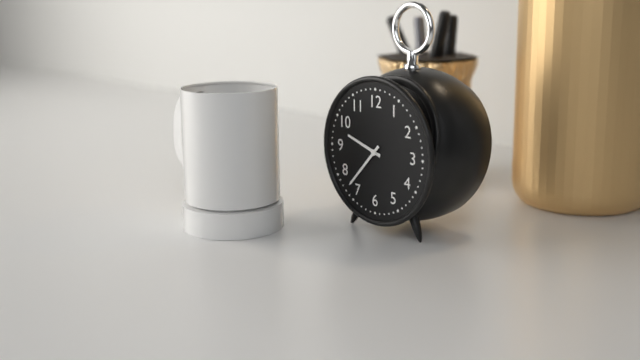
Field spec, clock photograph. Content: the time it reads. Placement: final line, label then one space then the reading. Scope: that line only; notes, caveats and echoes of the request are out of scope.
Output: 9:37
